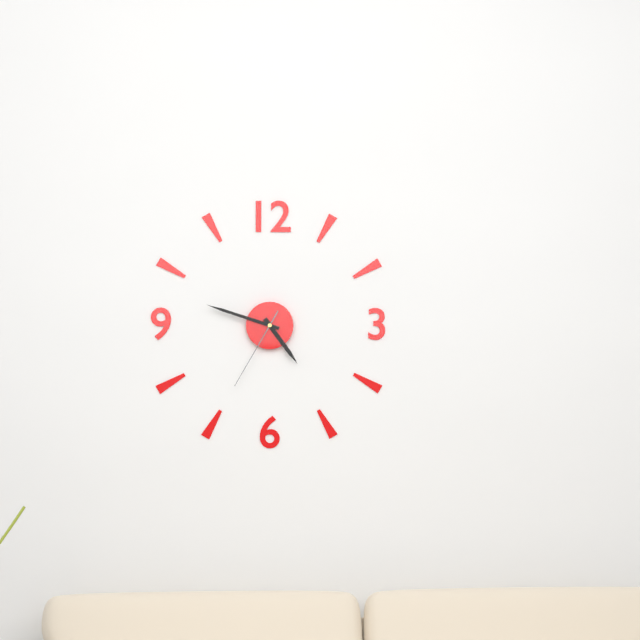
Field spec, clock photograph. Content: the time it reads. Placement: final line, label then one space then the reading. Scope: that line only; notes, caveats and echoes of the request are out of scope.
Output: 4:48:35
